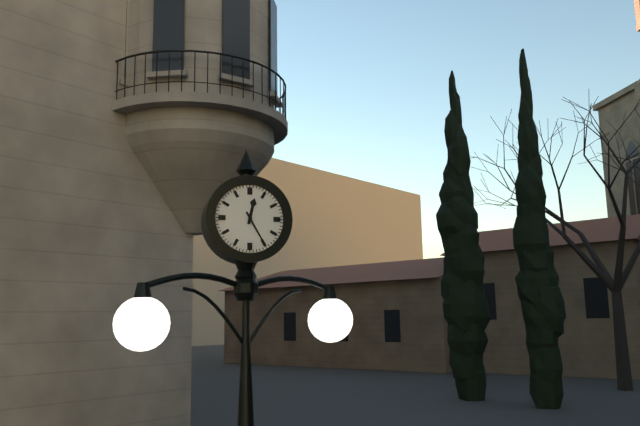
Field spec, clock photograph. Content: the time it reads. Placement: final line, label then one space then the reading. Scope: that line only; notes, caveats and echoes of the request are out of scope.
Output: 12:25
